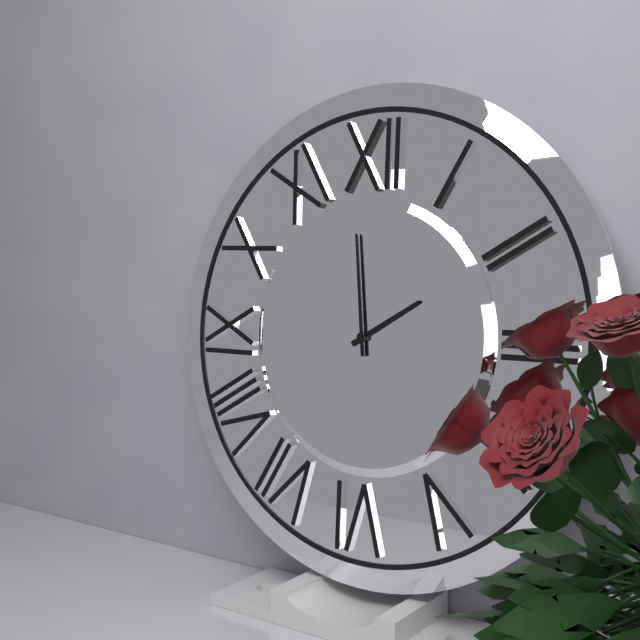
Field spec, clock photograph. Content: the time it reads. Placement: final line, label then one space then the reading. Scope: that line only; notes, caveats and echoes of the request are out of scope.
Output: 1:59
